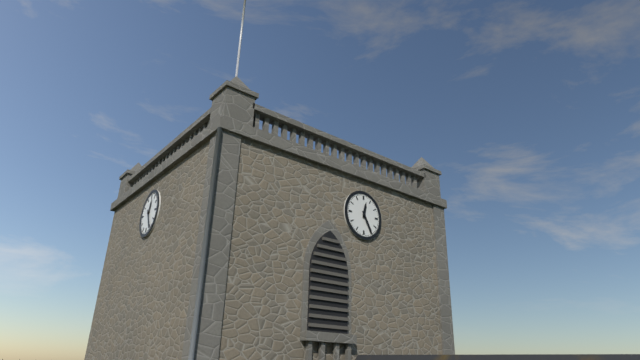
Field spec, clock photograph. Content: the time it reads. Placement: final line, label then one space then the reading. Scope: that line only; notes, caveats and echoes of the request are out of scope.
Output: 12:25
